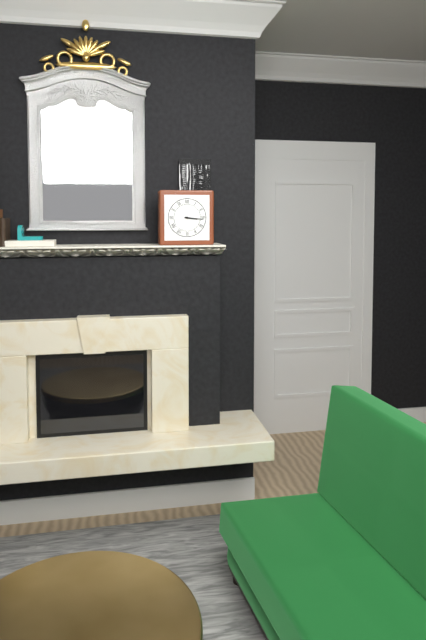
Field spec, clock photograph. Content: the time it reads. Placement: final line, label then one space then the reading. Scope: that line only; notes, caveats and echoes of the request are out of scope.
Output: 3:16
